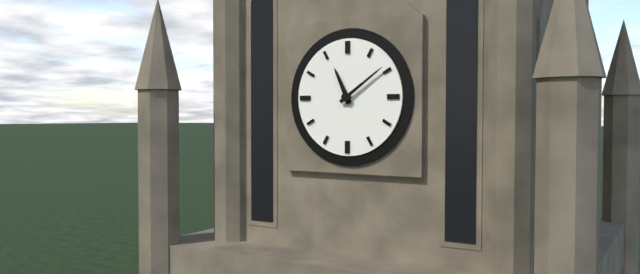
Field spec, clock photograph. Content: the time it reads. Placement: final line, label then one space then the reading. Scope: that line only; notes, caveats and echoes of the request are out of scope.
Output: 11:09
